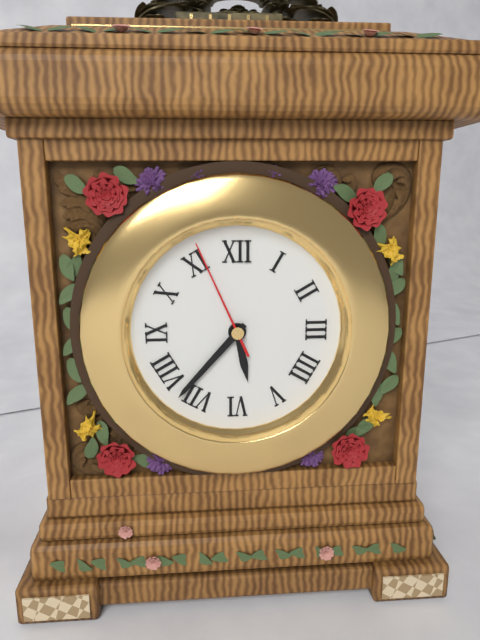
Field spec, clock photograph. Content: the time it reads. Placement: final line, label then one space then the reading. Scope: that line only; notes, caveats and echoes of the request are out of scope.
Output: 5:37:56
